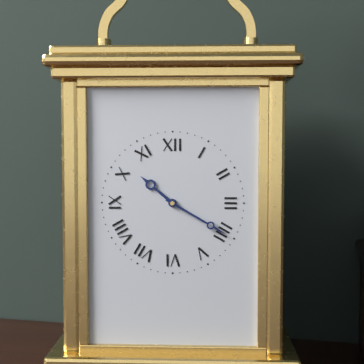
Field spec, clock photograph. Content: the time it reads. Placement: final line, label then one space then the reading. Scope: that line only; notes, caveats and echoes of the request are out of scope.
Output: 10:20
